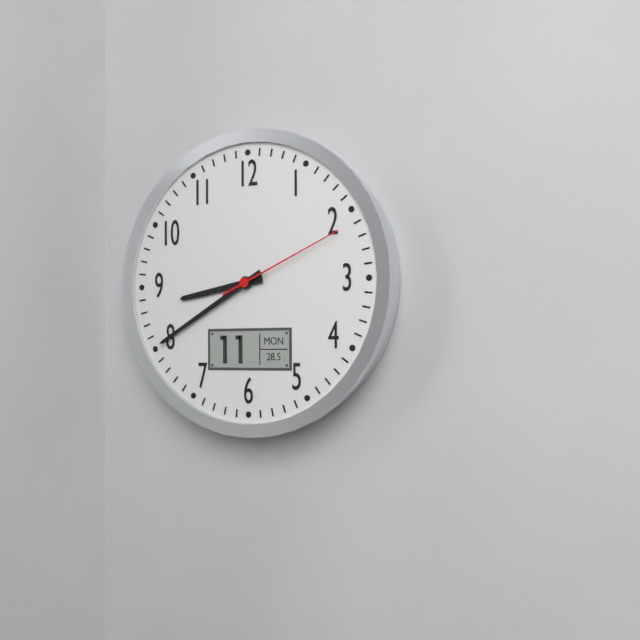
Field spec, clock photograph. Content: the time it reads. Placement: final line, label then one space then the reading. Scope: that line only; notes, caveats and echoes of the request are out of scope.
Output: 8:40:11
